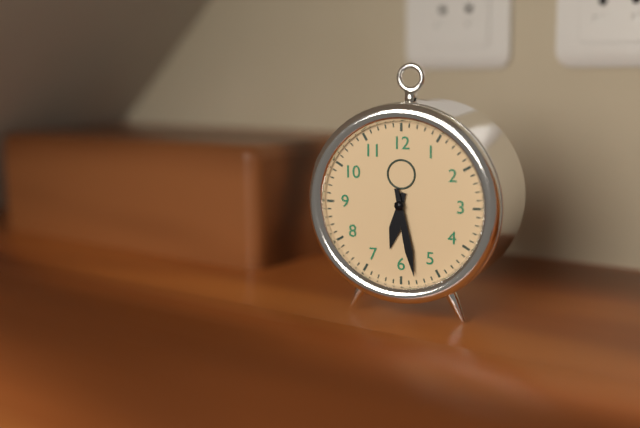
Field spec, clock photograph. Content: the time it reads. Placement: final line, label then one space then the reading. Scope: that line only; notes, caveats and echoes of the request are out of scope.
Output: 6:28
